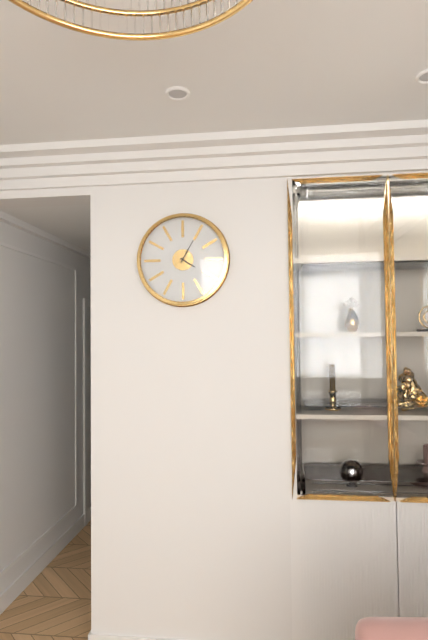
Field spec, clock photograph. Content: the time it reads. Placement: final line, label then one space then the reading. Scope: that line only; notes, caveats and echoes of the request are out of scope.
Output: 4:05
